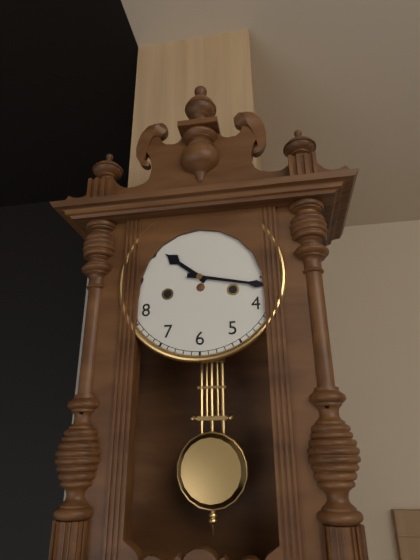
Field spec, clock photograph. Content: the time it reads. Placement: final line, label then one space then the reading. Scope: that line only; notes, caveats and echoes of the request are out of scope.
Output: 10:17
